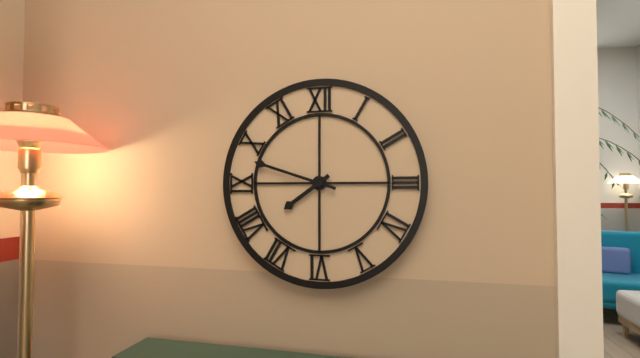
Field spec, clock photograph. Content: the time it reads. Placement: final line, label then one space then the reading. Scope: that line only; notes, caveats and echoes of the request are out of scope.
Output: 7:48
